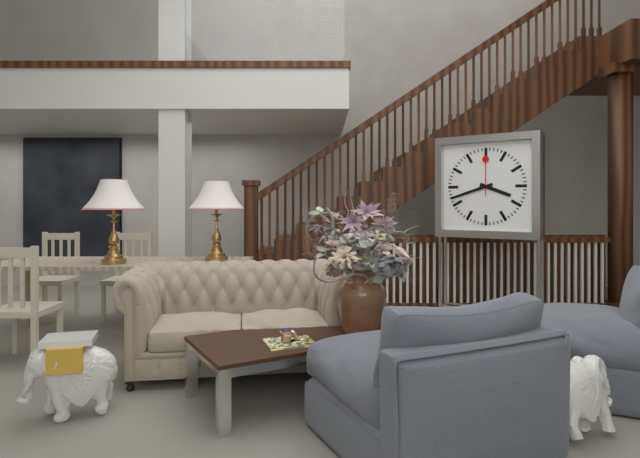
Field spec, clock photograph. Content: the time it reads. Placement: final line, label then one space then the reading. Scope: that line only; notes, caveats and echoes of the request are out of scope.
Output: 3:42
